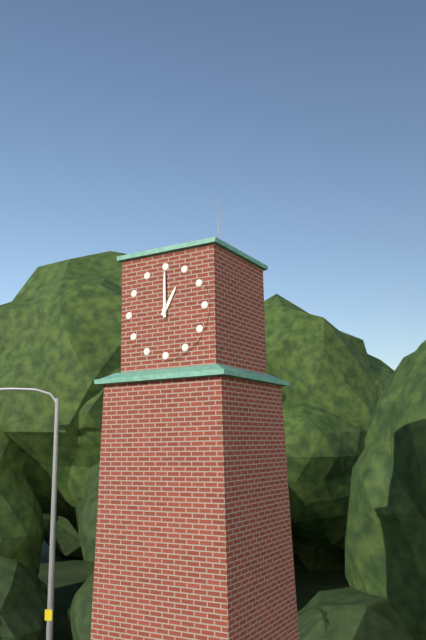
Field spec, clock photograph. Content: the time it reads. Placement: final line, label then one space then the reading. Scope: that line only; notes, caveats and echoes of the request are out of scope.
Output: 1:00
